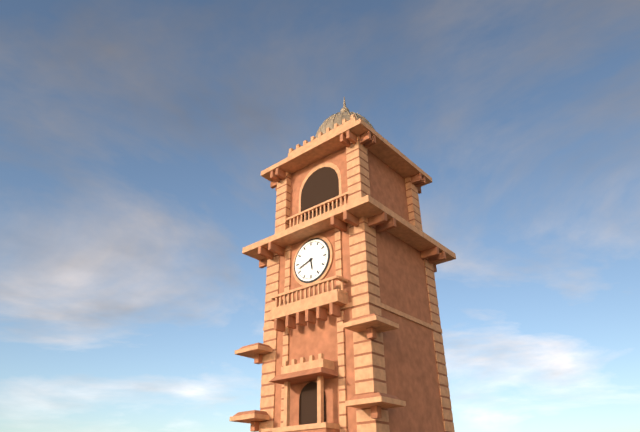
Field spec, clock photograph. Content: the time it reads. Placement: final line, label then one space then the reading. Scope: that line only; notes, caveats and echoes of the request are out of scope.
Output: 5:42
